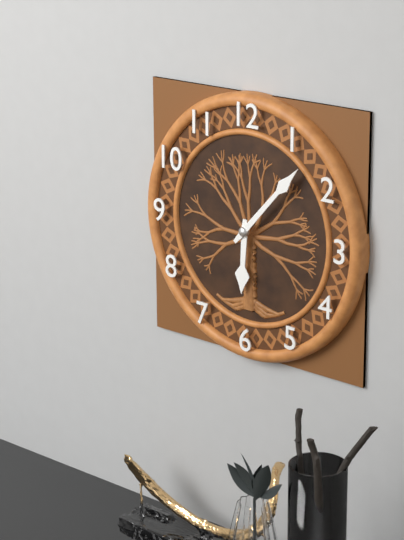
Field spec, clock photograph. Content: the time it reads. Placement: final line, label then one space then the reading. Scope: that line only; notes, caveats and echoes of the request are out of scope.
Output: 6:07
